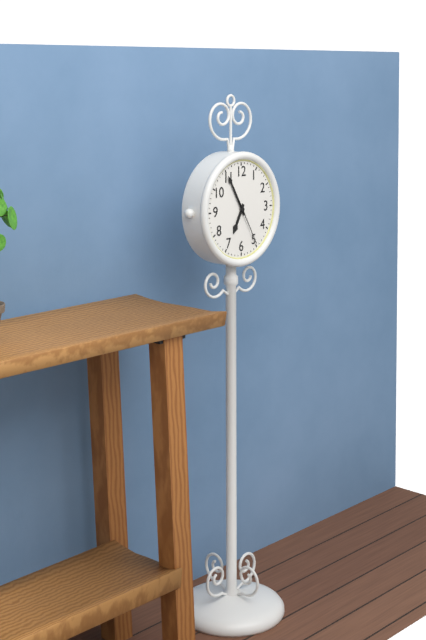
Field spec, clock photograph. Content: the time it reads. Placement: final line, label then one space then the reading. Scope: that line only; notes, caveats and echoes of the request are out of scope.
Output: 6:55
